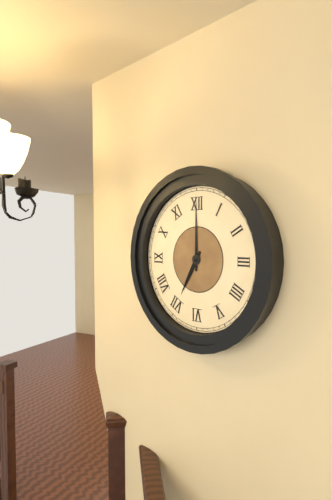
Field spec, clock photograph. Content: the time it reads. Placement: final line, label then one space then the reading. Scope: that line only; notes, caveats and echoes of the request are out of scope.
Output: 7:00
